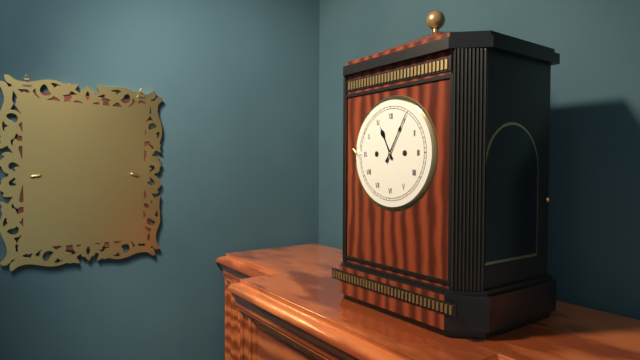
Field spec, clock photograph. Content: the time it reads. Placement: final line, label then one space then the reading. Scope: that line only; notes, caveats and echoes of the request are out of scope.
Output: 11:05
